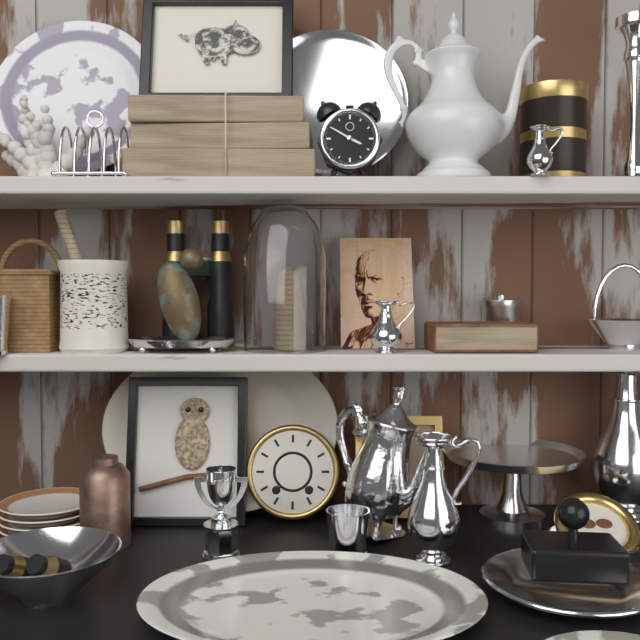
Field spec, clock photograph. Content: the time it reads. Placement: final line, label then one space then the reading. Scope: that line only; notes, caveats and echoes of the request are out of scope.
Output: 3:50
